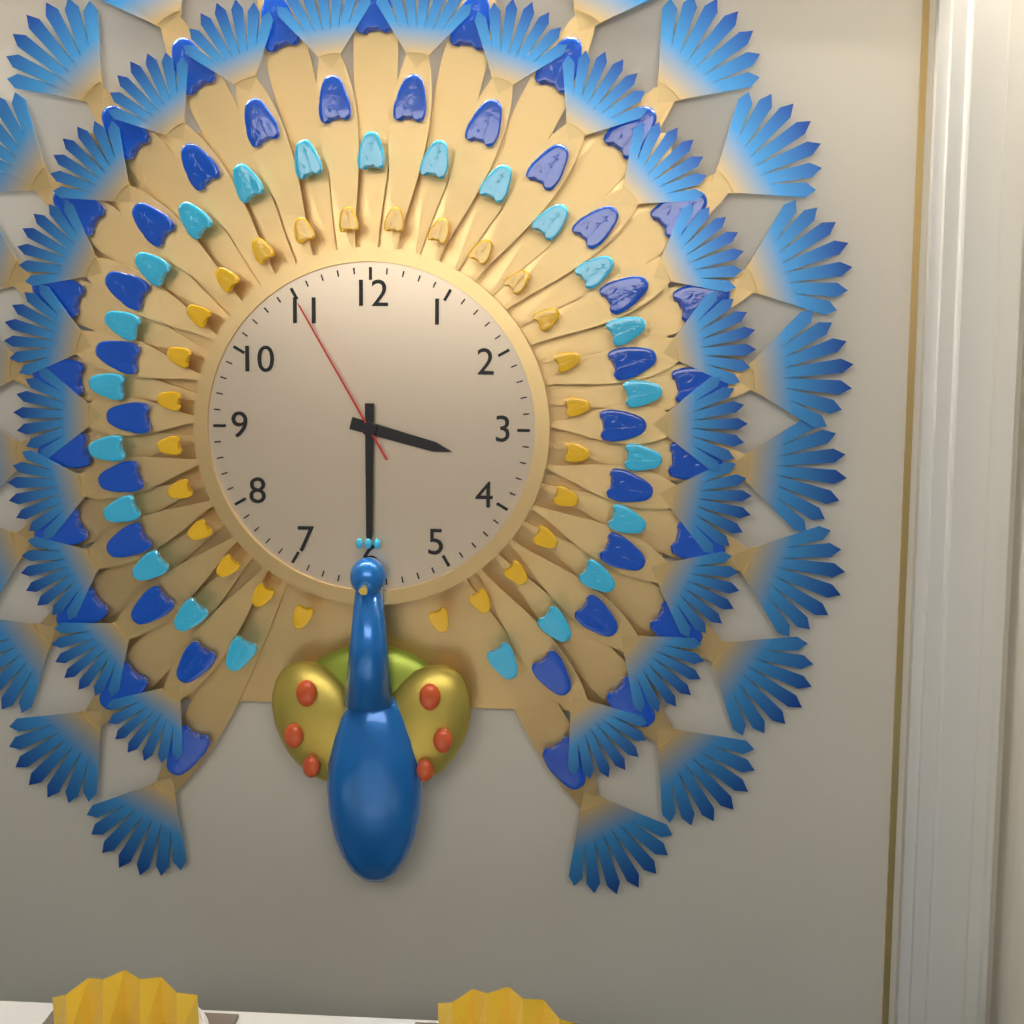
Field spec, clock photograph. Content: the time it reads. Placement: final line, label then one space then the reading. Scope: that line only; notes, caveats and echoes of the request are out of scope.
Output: 3:30:55
